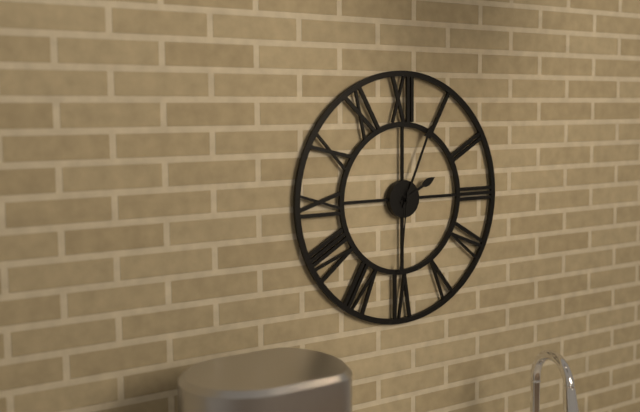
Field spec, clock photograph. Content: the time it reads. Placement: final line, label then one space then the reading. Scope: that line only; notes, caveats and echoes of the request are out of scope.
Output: 2:04:31
